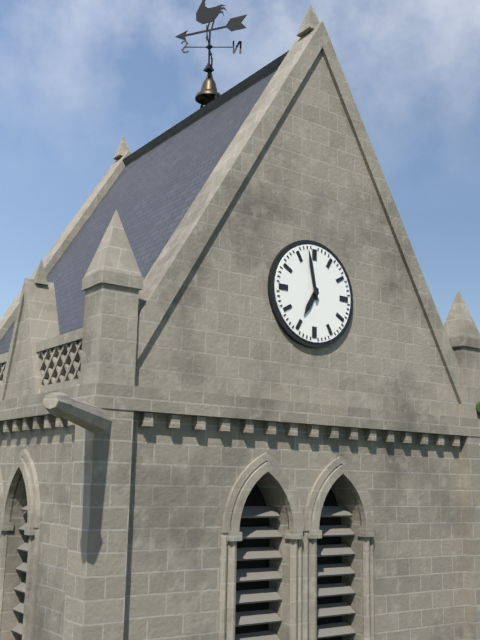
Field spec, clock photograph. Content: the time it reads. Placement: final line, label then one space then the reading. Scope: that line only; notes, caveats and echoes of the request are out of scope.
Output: 6:58
